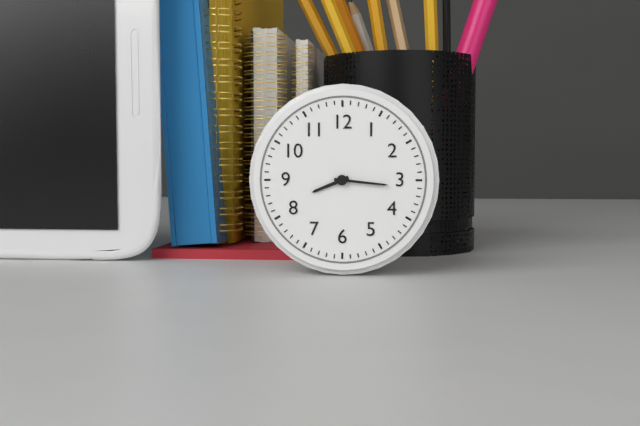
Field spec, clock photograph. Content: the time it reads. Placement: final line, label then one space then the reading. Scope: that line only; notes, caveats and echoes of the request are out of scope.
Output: 8:16
